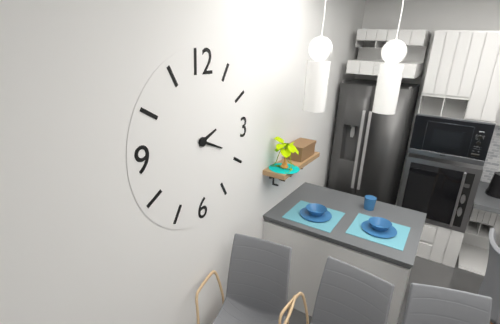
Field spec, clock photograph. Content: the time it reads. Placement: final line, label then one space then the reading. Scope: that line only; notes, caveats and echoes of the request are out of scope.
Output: 2:19
